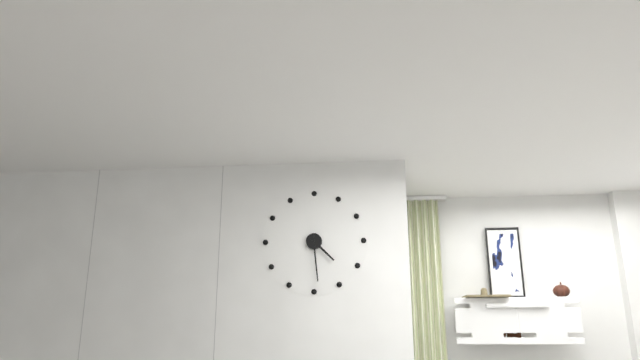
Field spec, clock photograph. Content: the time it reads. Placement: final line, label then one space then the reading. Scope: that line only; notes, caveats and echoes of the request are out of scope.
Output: 4:29
